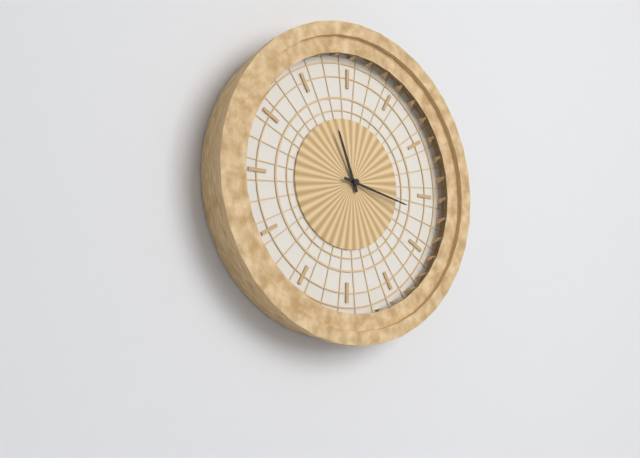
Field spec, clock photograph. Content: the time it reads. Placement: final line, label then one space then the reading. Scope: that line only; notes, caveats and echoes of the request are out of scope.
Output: 11:17
